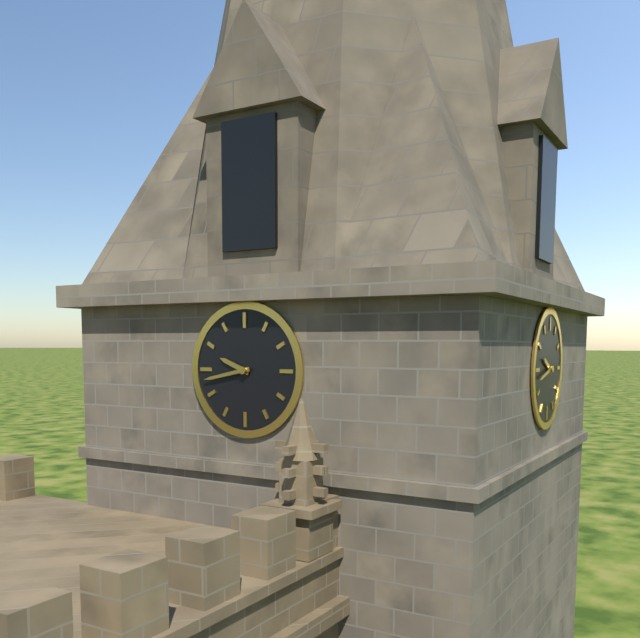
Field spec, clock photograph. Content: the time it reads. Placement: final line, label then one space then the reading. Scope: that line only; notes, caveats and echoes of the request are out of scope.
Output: 9:43
